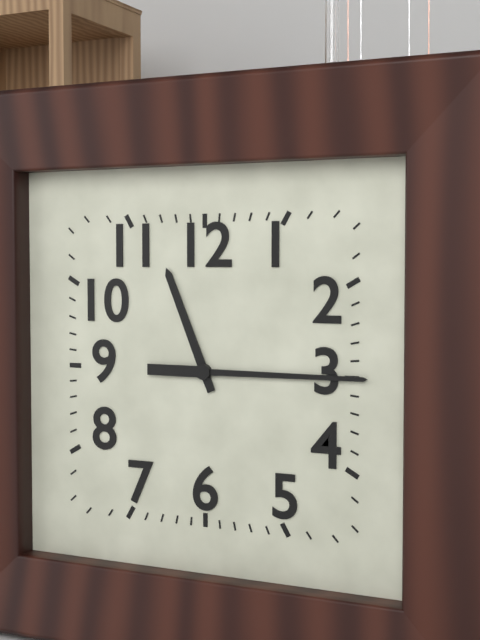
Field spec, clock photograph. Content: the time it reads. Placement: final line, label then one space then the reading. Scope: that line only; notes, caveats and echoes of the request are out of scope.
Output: 11:15
